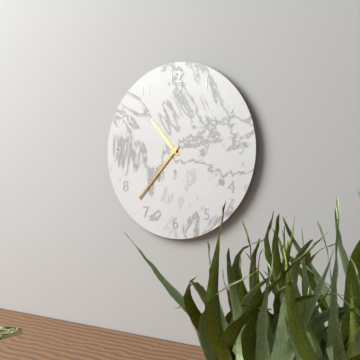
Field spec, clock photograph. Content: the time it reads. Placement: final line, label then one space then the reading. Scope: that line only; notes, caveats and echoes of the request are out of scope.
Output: 10:37
